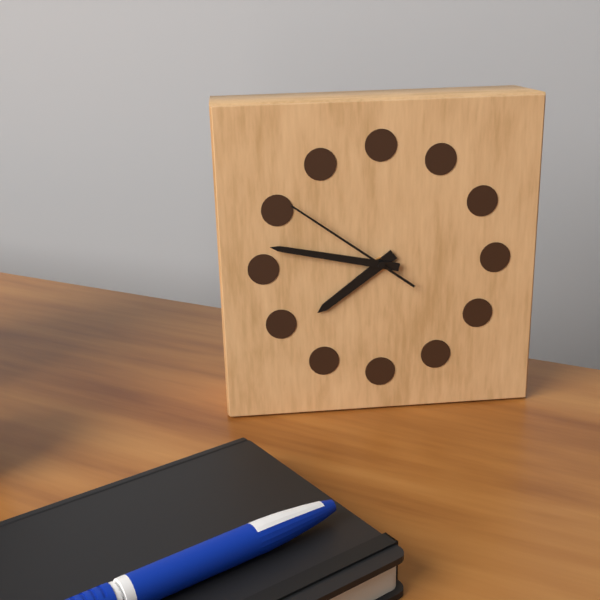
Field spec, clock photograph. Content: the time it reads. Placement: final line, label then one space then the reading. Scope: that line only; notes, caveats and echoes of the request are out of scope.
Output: 7:47:51
